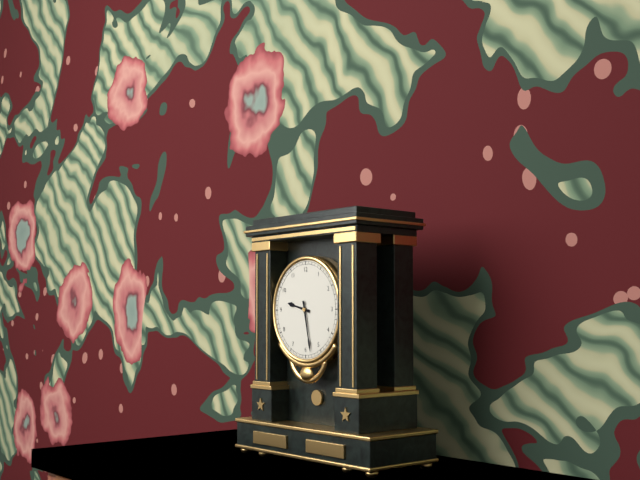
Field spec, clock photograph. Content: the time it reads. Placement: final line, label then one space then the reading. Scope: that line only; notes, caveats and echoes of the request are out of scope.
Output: 9:28
